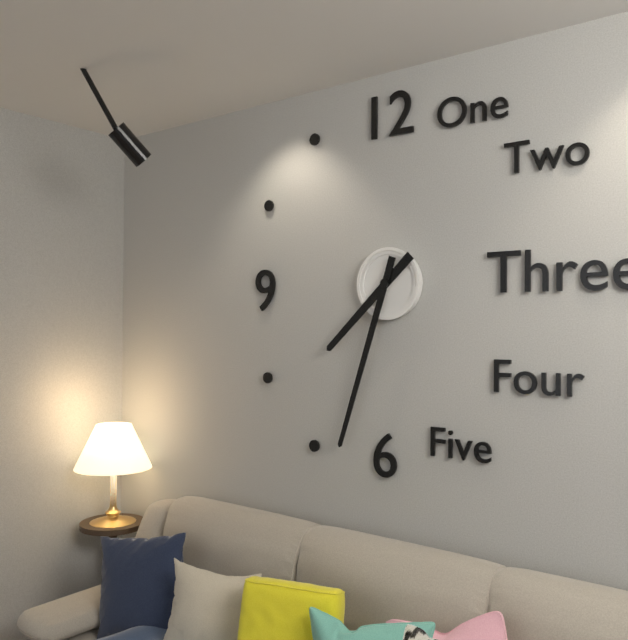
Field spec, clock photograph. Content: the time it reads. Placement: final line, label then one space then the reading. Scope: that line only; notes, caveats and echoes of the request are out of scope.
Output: 7:33
